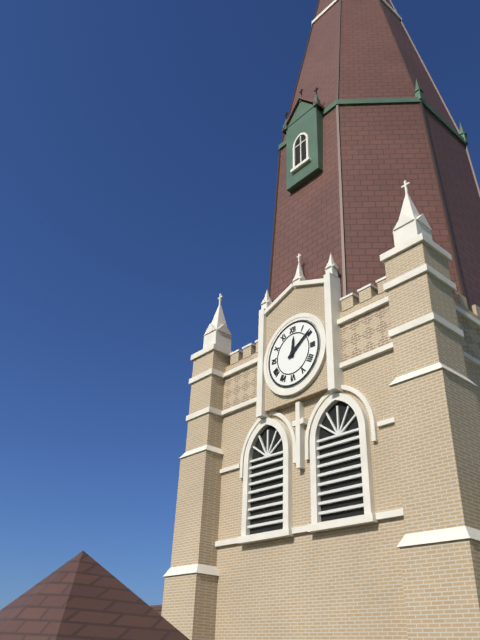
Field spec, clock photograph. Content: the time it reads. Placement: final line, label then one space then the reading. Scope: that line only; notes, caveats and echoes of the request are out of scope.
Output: 12:09
